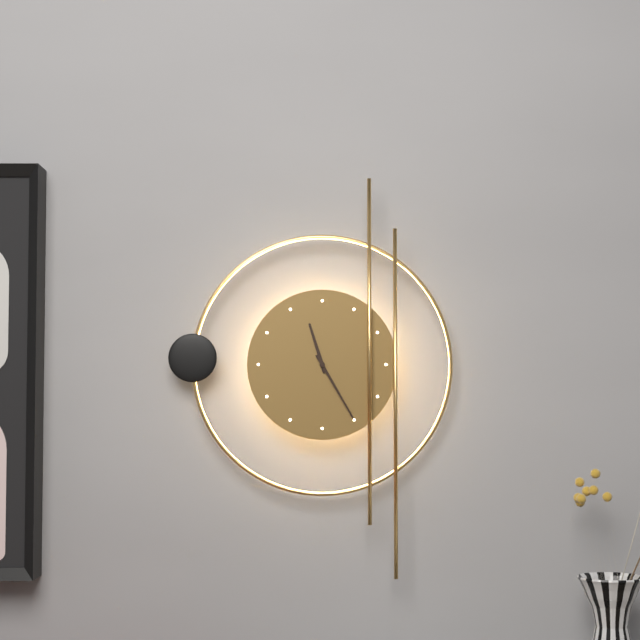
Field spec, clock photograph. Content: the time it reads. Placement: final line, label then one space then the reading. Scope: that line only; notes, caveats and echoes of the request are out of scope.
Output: 11:25
